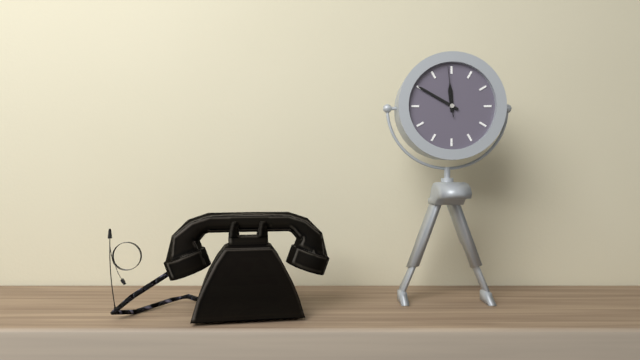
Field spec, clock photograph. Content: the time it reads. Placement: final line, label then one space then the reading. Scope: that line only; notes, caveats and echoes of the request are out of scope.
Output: 11:50:59
